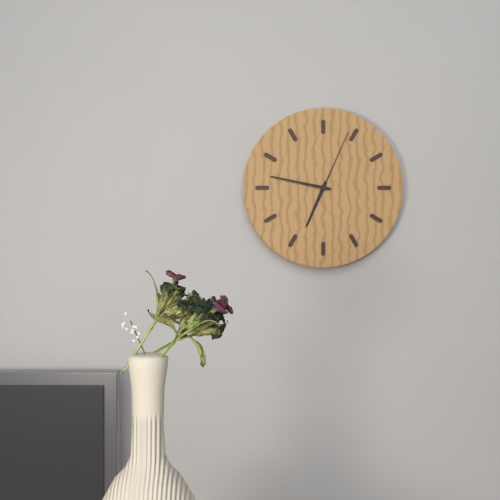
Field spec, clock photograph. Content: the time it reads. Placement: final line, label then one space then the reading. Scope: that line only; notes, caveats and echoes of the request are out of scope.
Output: 6:47:04
